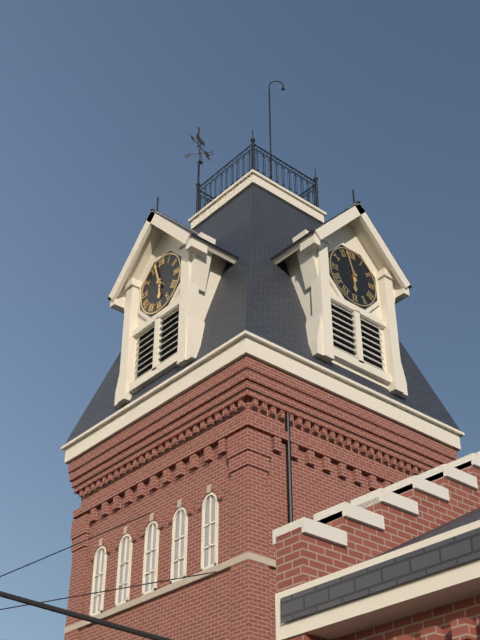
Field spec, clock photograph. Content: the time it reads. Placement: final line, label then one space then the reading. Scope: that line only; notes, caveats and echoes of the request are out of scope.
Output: 5:57
